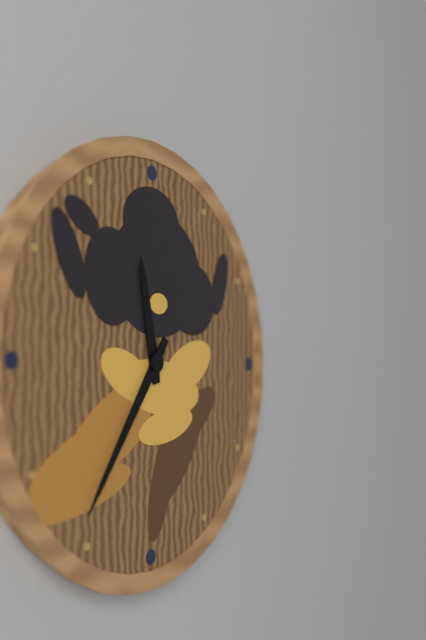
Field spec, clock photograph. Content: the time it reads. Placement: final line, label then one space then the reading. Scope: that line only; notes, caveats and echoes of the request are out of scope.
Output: 11:36
